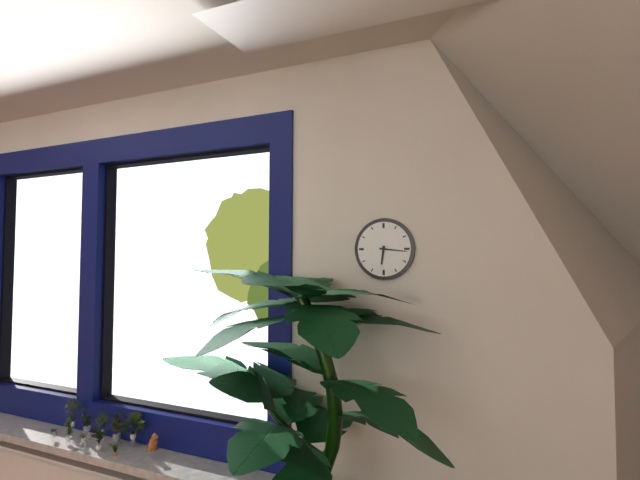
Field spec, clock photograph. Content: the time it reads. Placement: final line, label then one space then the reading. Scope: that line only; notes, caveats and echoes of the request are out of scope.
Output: 6:16
